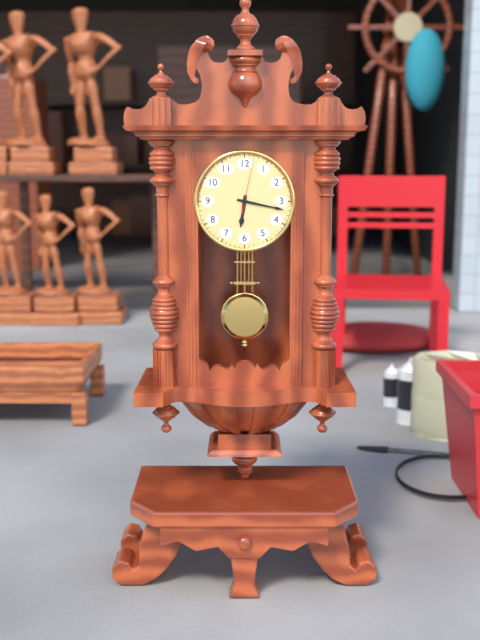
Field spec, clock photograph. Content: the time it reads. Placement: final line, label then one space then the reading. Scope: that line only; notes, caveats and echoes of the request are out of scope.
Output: 6:17:02
